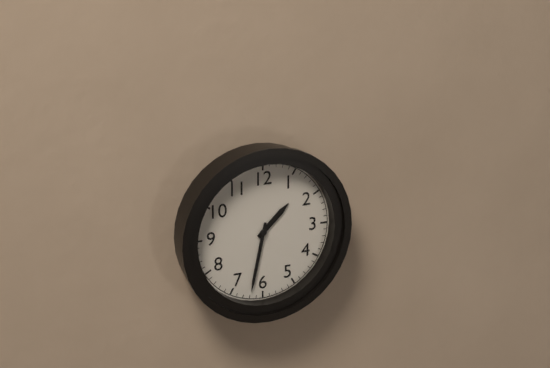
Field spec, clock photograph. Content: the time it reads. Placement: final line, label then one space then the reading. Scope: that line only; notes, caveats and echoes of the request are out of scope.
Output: 1:32
